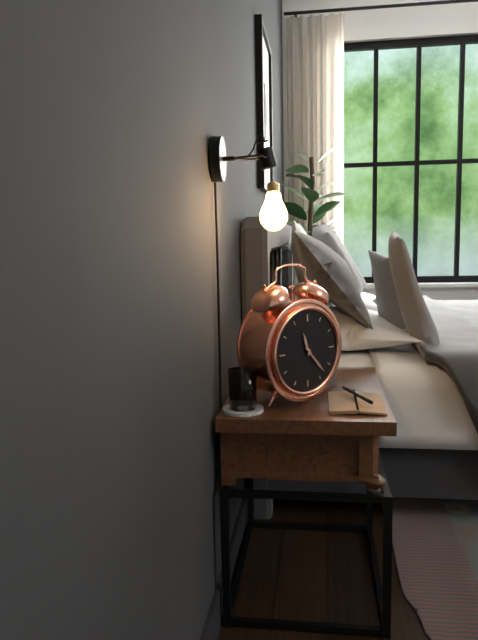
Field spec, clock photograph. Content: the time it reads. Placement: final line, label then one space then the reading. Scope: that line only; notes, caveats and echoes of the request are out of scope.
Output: 11:23
